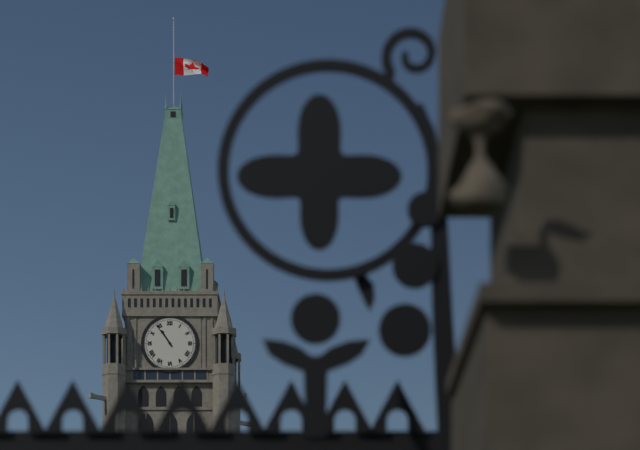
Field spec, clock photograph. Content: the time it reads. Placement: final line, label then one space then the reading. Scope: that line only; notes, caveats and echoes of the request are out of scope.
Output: 10:54
